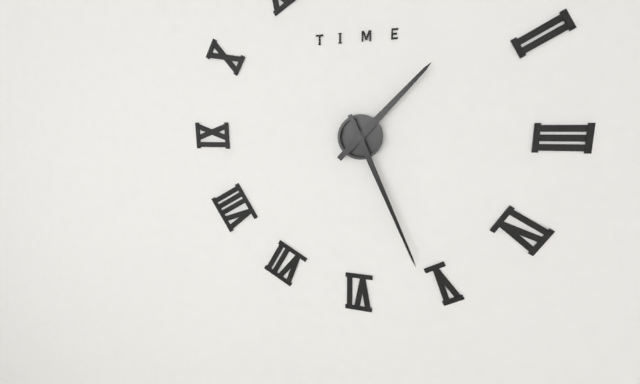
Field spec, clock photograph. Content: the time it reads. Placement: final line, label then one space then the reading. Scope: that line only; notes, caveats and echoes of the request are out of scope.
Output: 1:26
